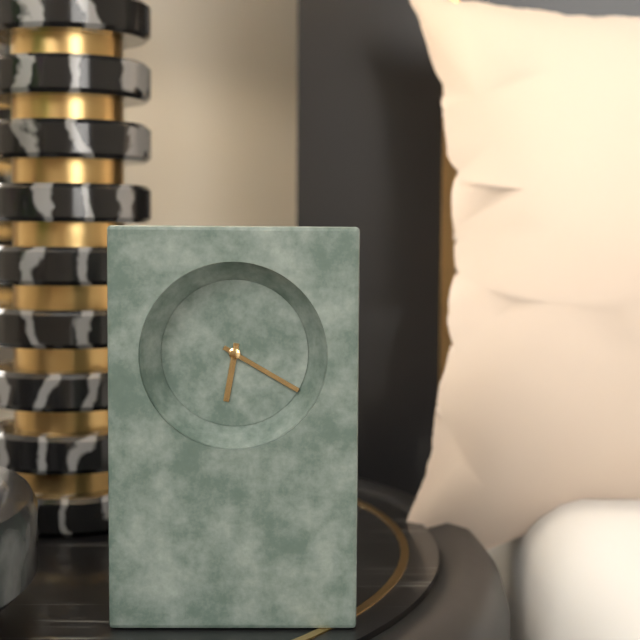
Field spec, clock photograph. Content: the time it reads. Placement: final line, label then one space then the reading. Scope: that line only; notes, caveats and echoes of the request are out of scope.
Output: 6:20
